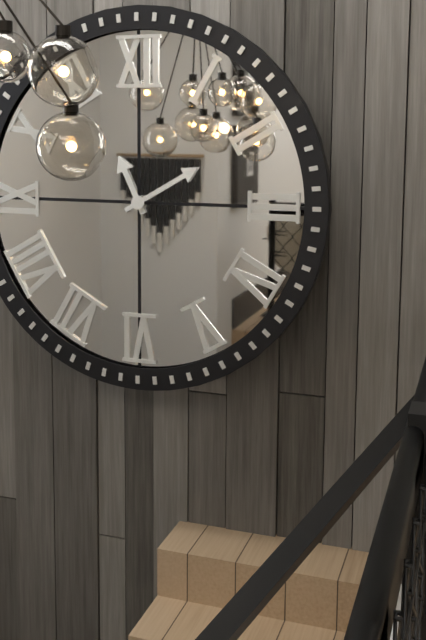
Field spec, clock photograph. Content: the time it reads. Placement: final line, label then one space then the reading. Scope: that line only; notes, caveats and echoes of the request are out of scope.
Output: 11:10
